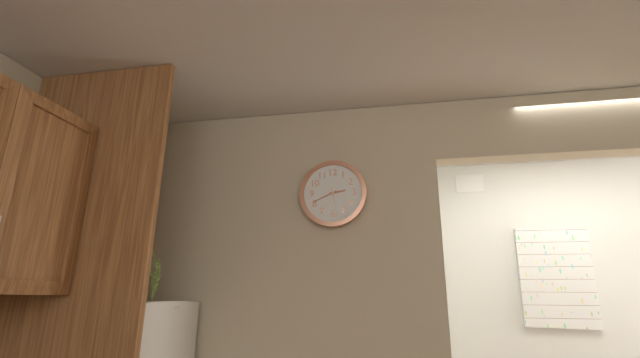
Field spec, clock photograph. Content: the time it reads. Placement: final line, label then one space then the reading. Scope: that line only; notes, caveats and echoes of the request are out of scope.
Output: 2:41
